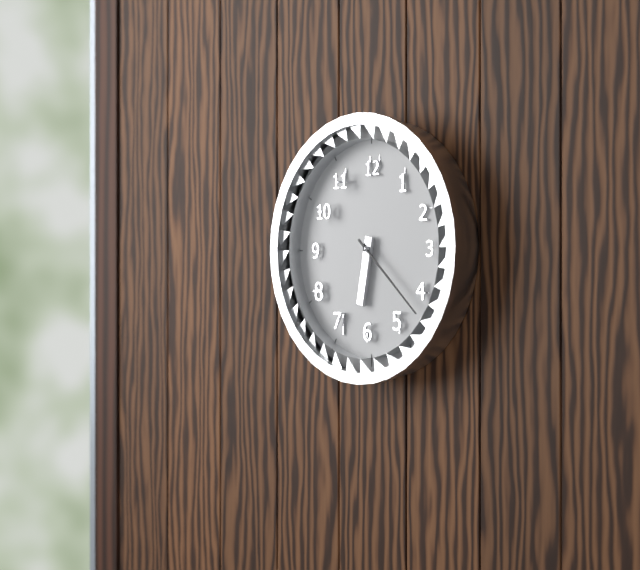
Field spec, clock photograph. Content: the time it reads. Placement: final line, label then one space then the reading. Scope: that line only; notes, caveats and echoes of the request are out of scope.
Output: 6:22
